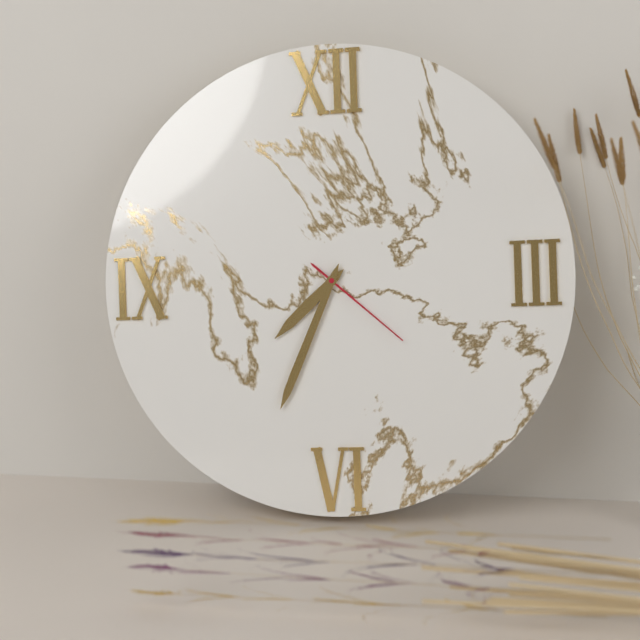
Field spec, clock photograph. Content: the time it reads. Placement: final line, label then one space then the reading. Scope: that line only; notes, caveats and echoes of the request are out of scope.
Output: 7:34:22
